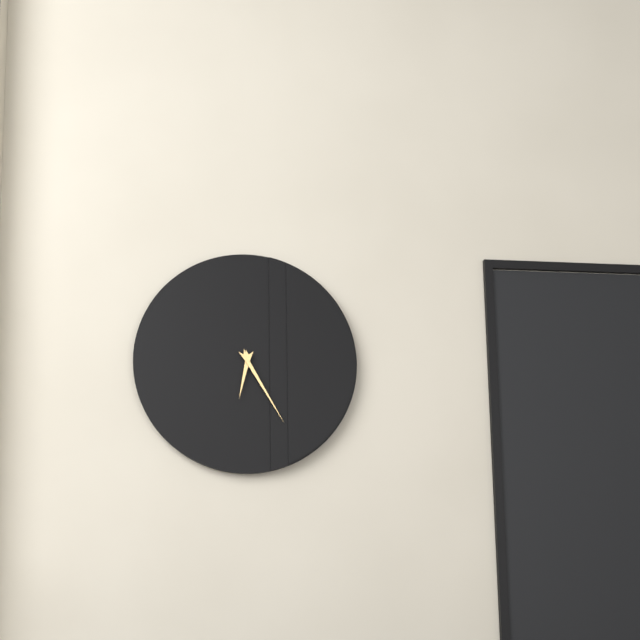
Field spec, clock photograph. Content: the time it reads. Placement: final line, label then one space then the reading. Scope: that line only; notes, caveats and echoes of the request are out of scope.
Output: 6:25
